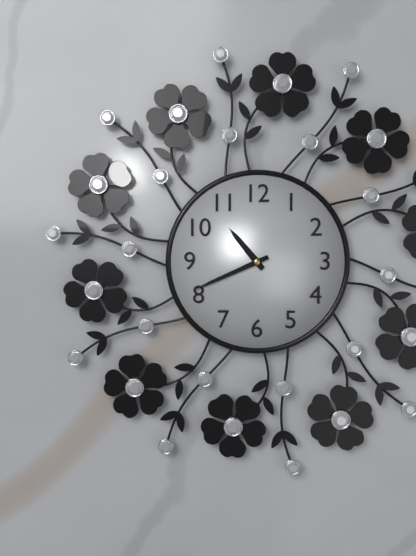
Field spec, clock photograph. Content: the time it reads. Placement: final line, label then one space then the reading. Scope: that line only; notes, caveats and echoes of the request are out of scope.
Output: 10:41
